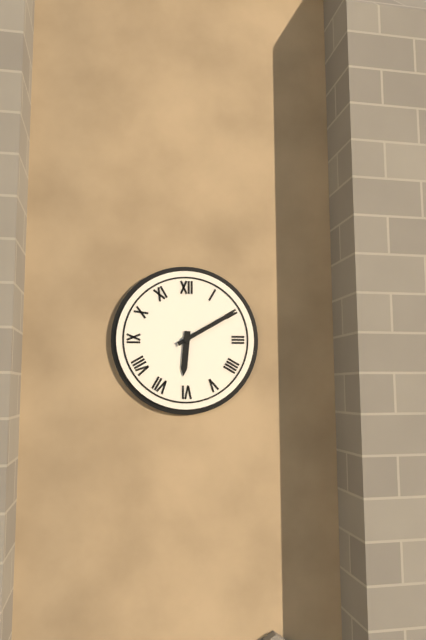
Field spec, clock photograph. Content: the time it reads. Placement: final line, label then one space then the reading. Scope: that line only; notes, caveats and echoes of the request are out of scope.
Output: 6:10
